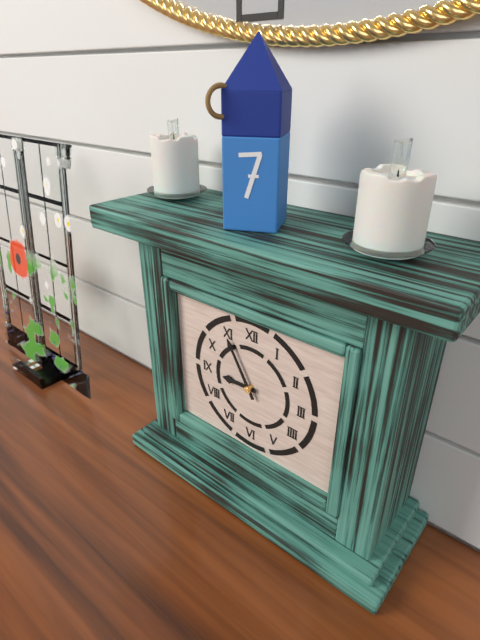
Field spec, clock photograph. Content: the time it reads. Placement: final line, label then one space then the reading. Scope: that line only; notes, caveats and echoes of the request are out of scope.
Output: 8:55
